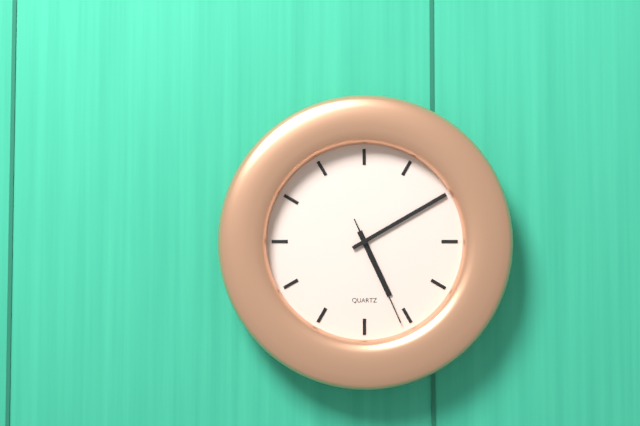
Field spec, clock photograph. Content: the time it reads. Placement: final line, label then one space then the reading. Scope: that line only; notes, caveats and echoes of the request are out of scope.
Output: 5:10:26
